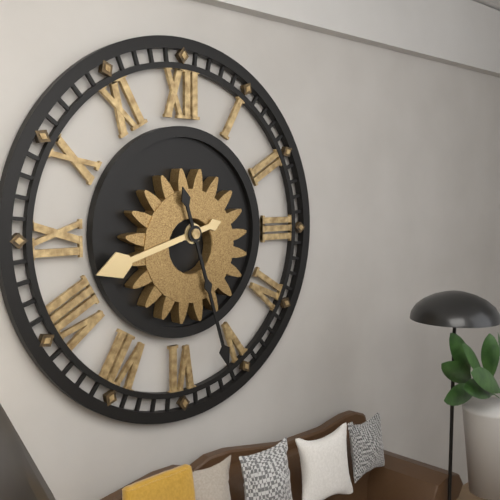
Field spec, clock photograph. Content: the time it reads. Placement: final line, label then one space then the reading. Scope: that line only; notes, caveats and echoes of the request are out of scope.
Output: 8:27
